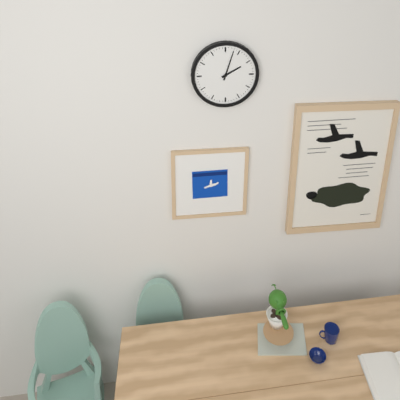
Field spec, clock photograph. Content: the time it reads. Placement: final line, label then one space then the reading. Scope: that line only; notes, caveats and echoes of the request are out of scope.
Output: 2:03
